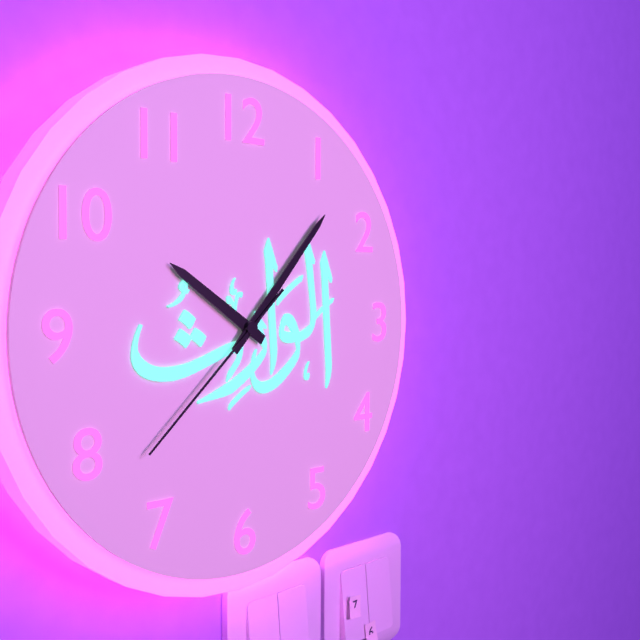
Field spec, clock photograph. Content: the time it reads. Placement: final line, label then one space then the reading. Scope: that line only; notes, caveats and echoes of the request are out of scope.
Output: 10:07:38
